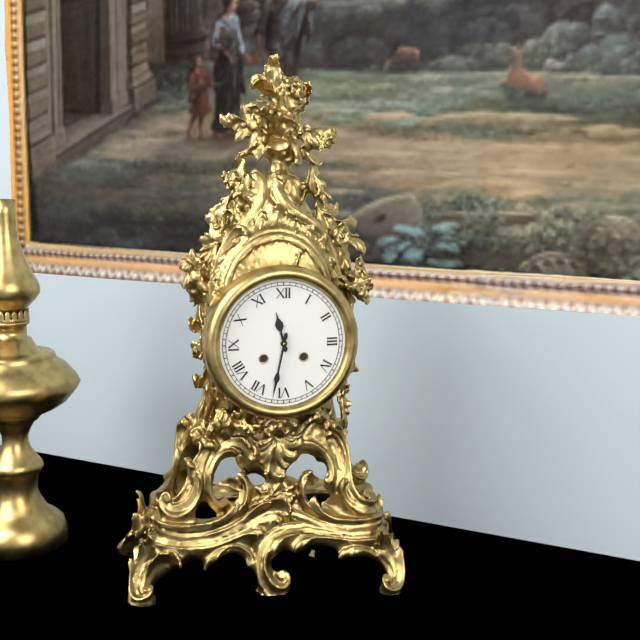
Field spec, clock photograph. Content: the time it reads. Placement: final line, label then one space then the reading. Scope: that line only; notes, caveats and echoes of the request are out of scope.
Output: 11:32
